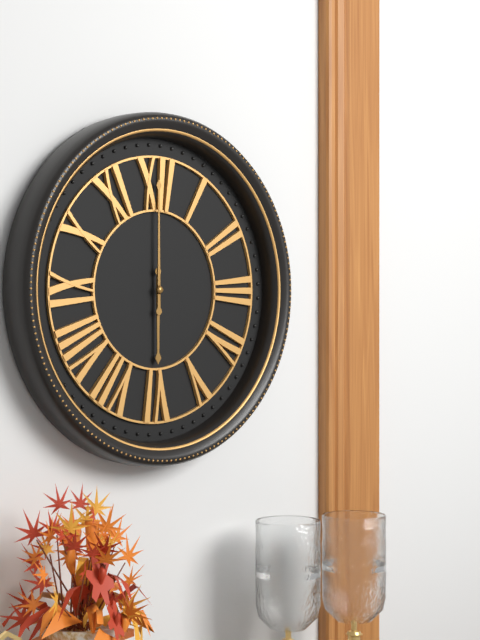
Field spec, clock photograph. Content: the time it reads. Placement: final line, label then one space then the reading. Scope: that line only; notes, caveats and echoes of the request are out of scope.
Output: 6:00
